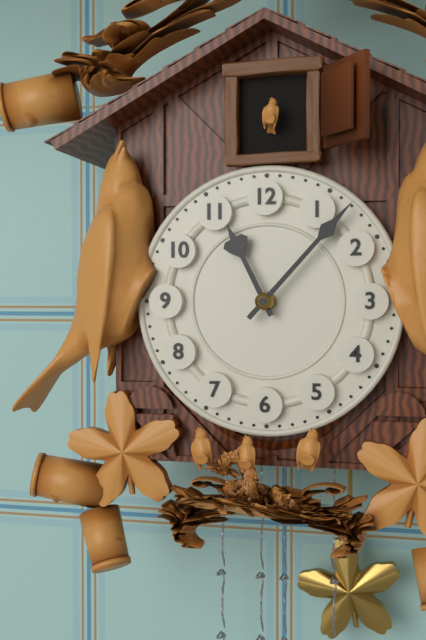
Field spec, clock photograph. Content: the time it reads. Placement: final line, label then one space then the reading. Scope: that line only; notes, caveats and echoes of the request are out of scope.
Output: 11:07
